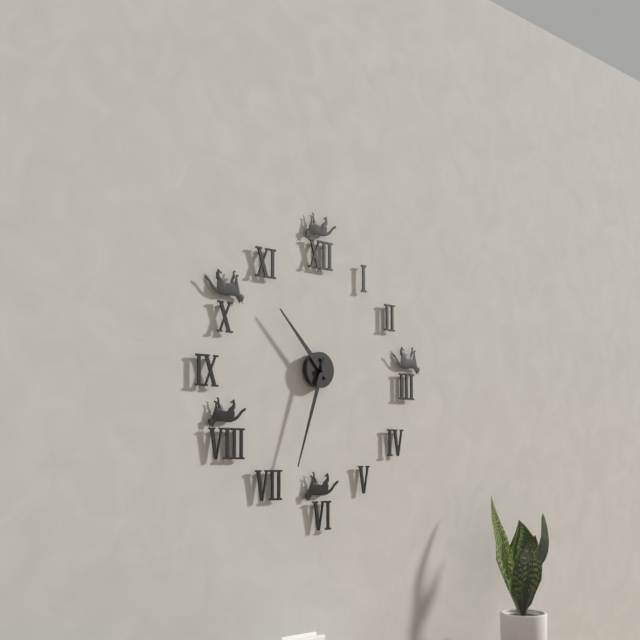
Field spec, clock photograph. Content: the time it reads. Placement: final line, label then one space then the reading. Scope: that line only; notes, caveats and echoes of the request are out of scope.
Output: 10:33
